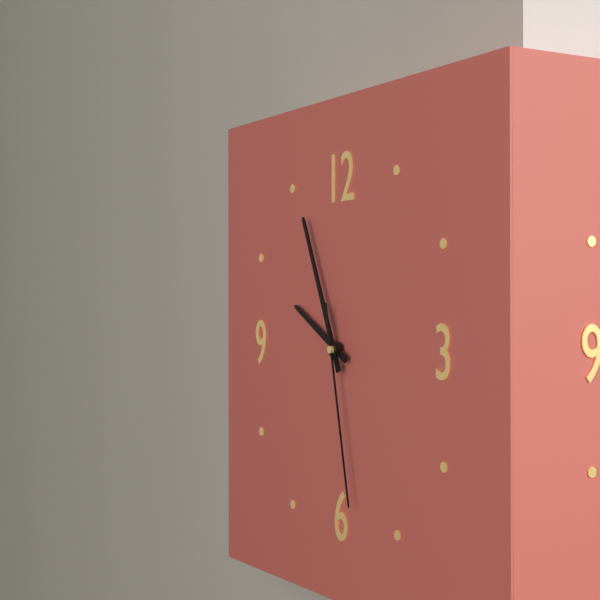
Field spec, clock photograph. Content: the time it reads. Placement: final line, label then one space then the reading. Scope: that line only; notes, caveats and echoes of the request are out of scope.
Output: 9:56:28
